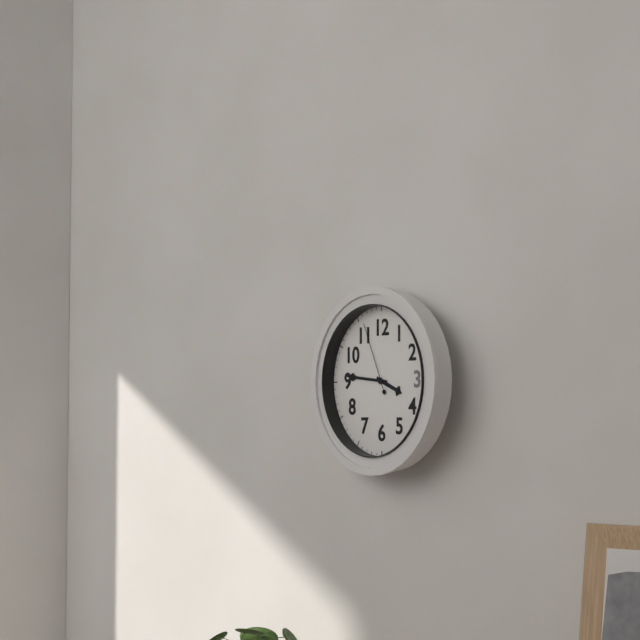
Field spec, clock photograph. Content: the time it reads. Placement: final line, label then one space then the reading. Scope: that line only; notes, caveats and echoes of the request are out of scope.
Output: 3:46:56
